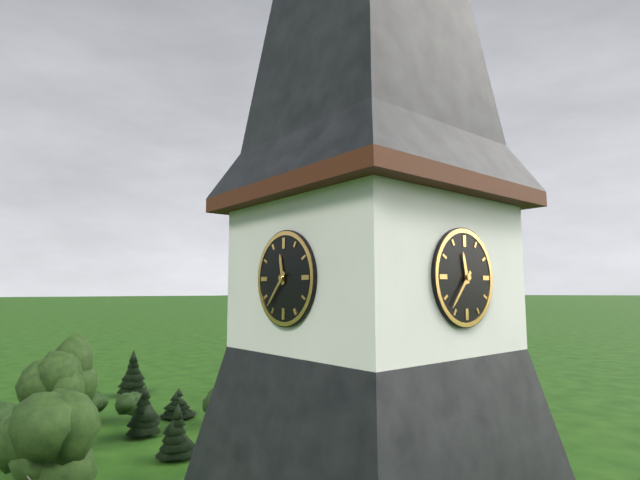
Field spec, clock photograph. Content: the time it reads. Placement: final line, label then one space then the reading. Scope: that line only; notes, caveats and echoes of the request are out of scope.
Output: 11:37
